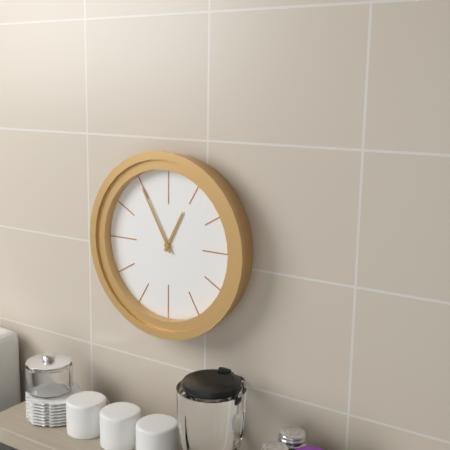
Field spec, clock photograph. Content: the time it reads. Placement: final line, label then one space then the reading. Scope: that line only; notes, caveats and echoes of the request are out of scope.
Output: 12:55
